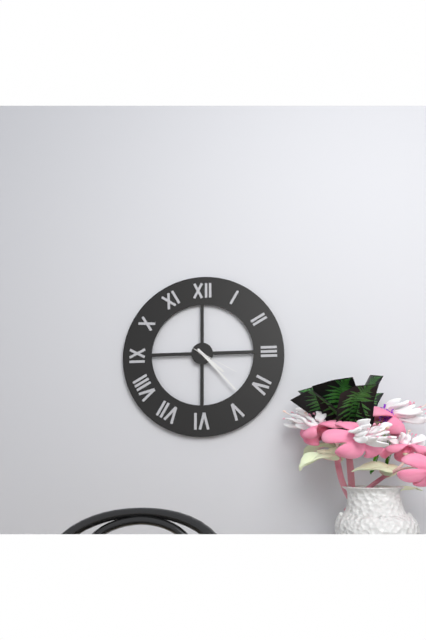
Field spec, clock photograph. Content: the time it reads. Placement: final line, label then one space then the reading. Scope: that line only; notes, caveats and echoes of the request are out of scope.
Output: 4:23
